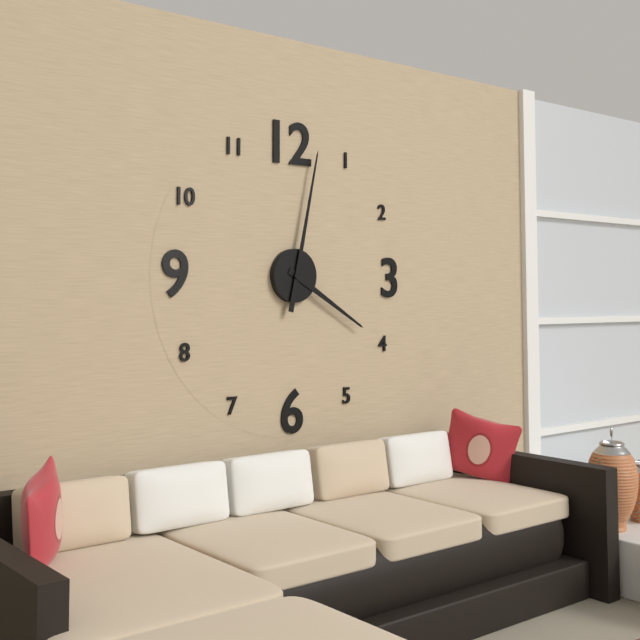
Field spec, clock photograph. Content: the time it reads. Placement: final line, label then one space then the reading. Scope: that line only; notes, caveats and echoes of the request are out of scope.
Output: 4:02
